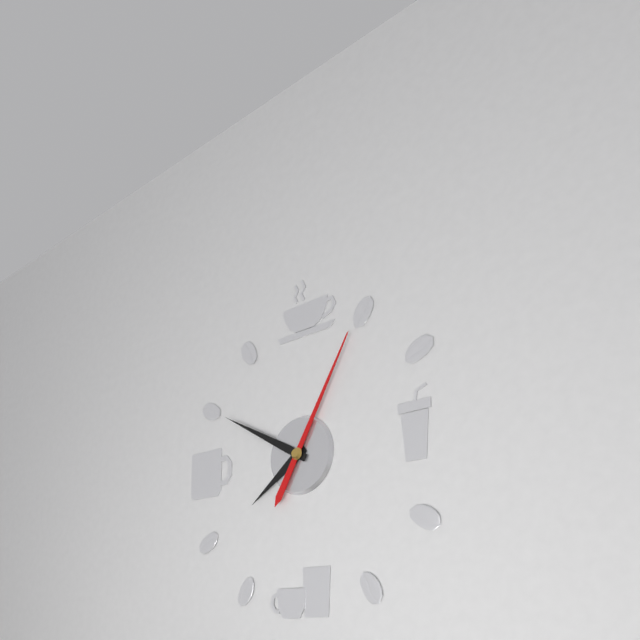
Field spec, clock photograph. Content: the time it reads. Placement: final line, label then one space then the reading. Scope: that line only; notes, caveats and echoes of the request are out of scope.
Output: 7:50:05
